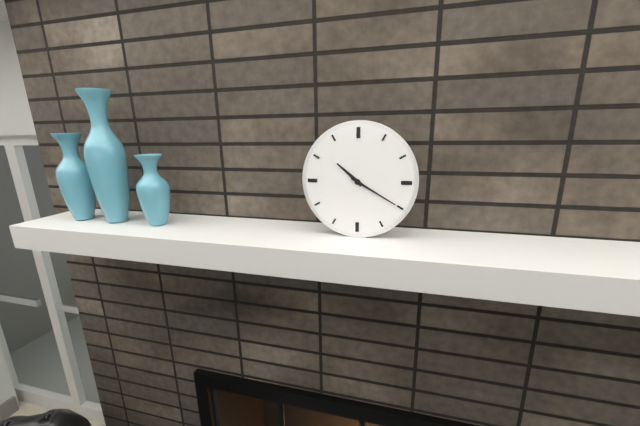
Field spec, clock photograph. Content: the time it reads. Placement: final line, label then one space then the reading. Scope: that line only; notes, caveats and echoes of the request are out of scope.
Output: 10:20
